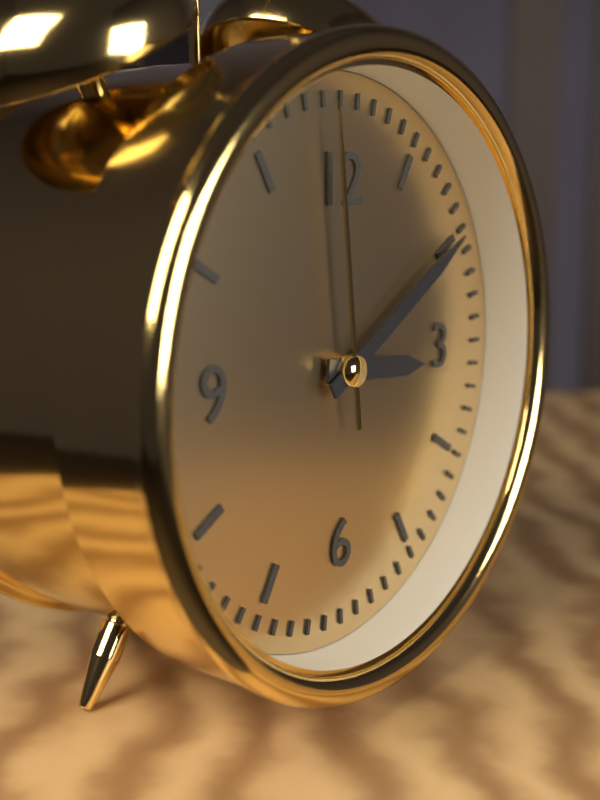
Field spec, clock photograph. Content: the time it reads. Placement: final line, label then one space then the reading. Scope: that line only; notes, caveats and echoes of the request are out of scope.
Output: 3:10:59
